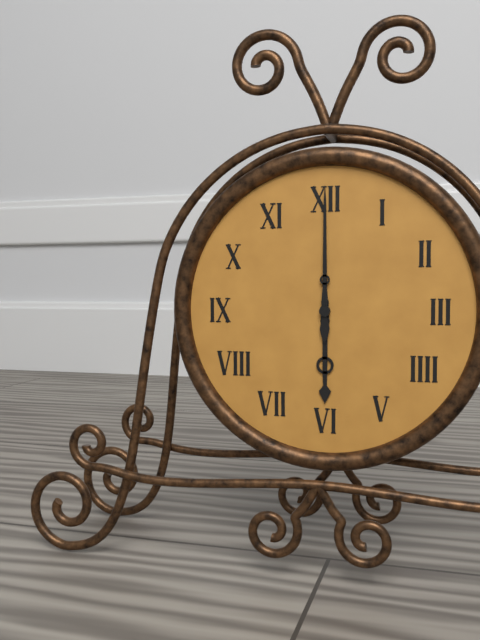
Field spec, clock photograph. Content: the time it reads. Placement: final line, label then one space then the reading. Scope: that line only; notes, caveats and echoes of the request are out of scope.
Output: 6:00
